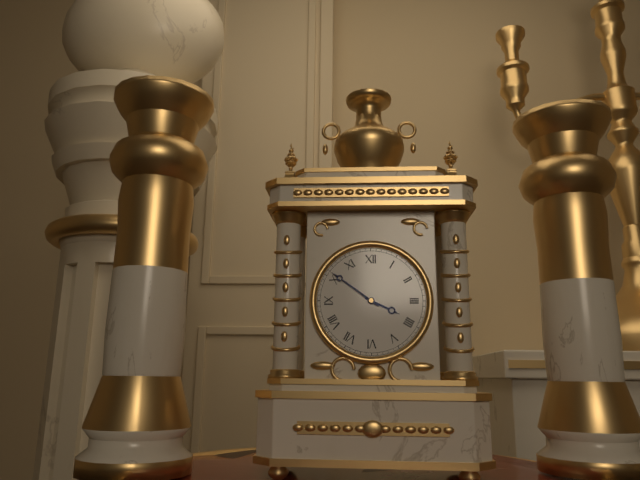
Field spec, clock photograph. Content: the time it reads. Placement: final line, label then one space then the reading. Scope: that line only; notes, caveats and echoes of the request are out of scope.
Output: 3:51
